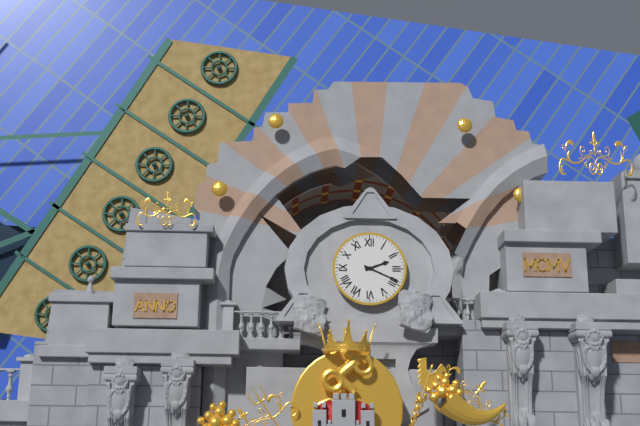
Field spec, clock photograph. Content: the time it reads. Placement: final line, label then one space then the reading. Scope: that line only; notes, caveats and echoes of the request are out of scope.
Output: 2:19
